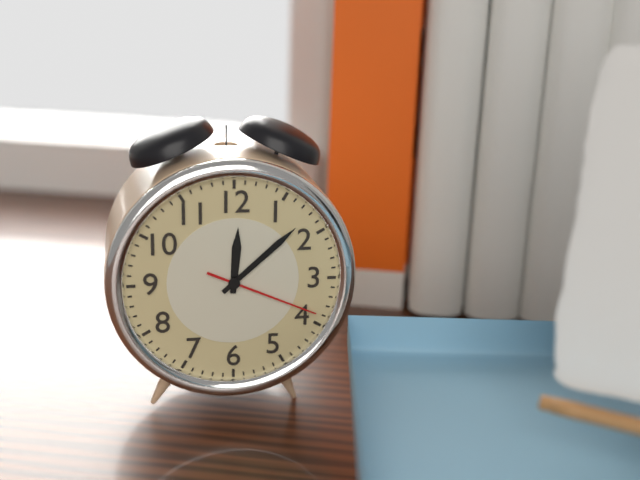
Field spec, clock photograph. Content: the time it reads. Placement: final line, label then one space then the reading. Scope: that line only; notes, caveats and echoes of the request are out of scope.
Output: 12:08:19
